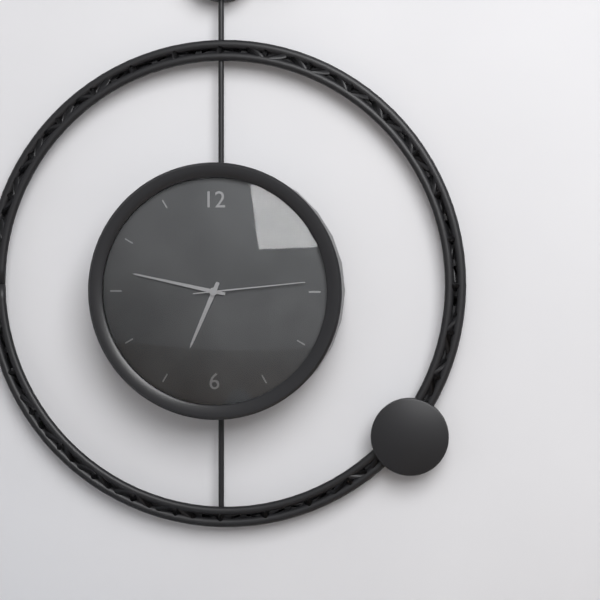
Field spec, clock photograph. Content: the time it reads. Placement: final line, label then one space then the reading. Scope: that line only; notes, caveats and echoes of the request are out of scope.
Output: 6:47:14
